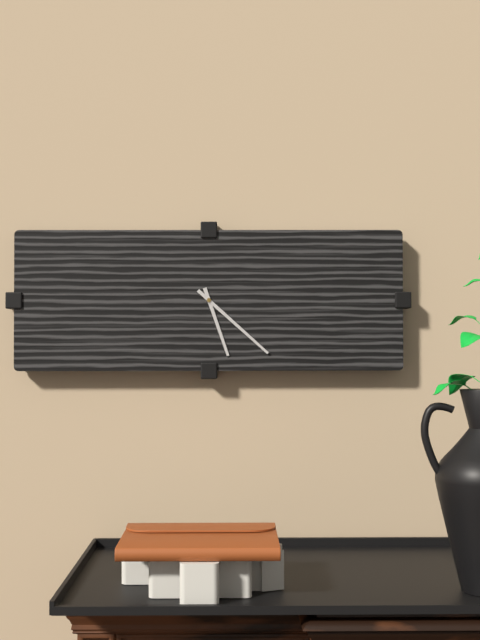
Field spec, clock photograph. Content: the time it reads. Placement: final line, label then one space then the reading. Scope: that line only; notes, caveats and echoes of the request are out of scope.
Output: 5:22
